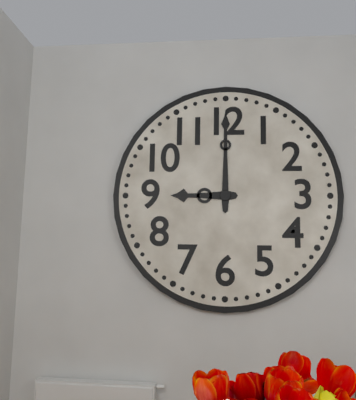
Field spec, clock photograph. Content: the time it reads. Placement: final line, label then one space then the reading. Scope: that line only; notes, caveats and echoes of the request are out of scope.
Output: 9:00
